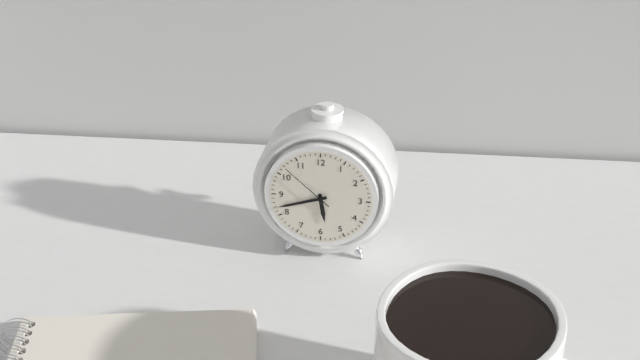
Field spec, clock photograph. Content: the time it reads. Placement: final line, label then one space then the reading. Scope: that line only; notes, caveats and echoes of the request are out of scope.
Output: 5:42:52
